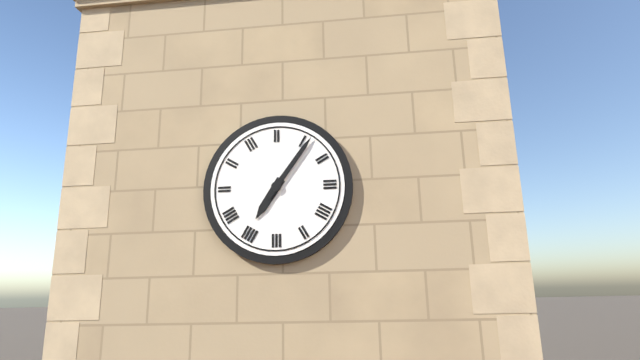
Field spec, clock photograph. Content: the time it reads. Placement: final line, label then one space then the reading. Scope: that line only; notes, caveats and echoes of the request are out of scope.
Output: 7:06
